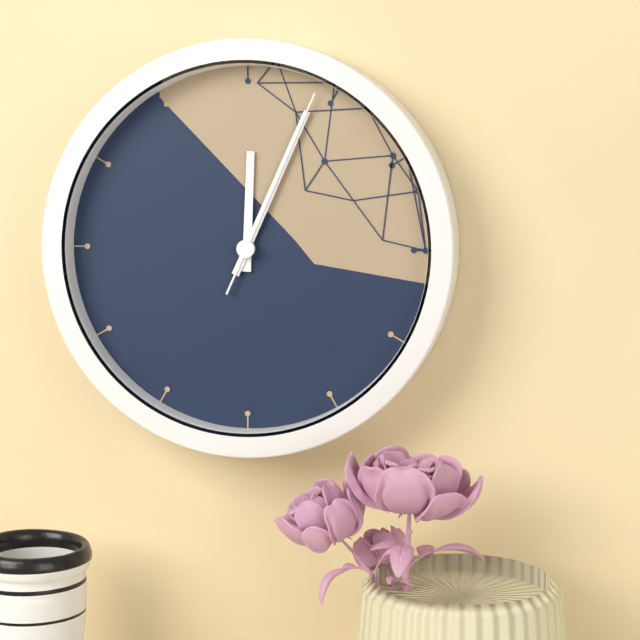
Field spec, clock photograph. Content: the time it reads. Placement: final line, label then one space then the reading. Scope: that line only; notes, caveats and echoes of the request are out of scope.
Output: 12:04:04
